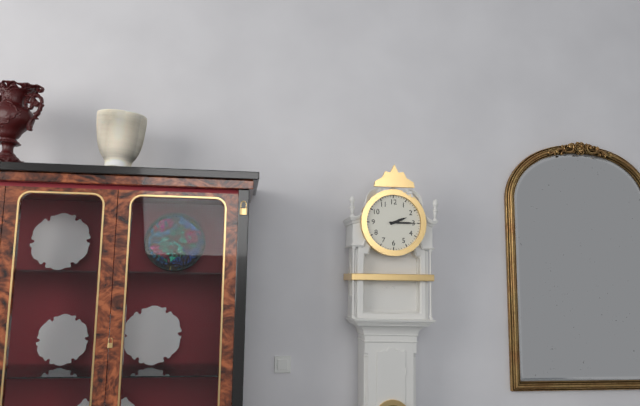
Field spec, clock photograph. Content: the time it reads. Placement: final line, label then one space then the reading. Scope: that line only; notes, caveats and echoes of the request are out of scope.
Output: 2:15
